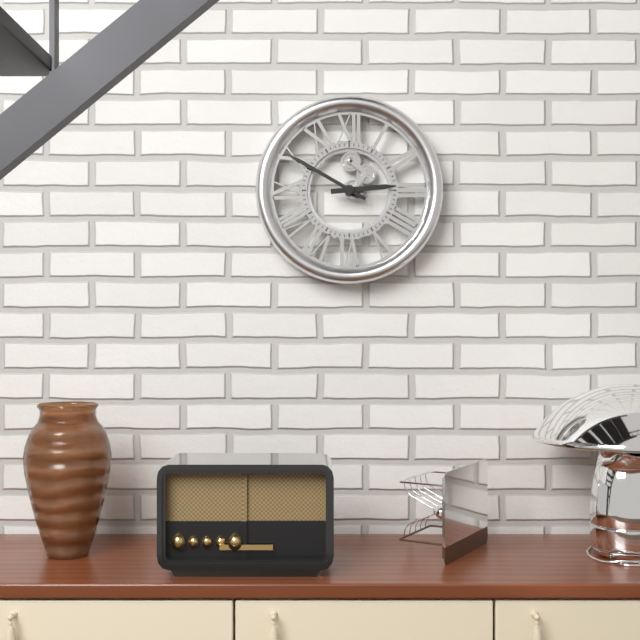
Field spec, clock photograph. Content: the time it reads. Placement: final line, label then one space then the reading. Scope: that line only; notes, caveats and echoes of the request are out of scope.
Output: 2:50
